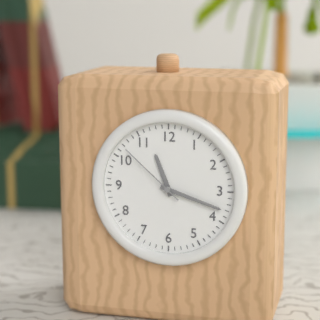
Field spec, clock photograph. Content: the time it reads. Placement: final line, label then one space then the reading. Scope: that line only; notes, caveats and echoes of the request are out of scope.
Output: 11:18:52
